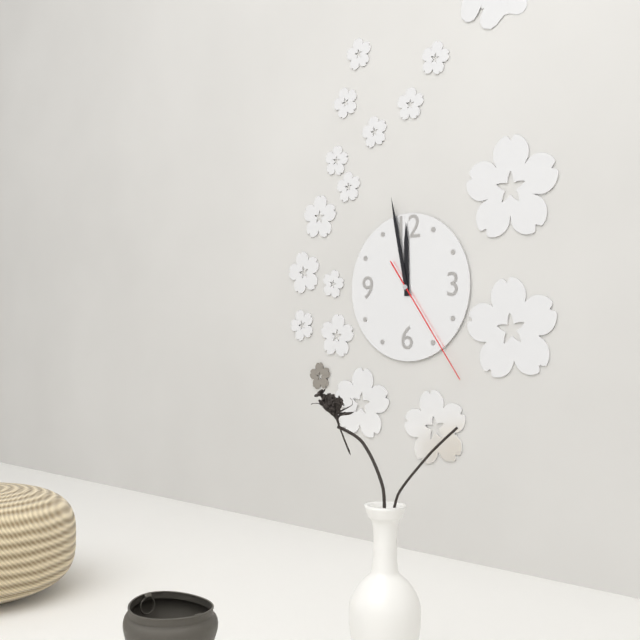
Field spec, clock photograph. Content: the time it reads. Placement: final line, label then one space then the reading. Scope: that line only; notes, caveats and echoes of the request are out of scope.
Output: 11:58:24
